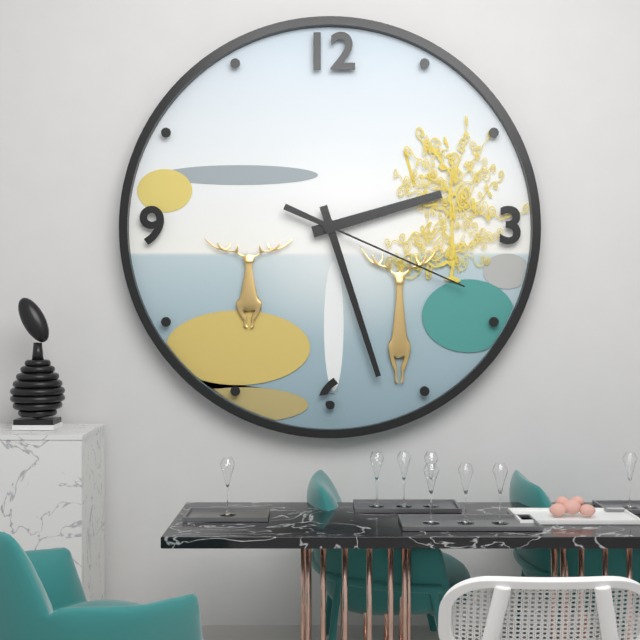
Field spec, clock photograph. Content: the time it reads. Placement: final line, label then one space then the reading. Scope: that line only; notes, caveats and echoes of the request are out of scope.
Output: 2:27:19
